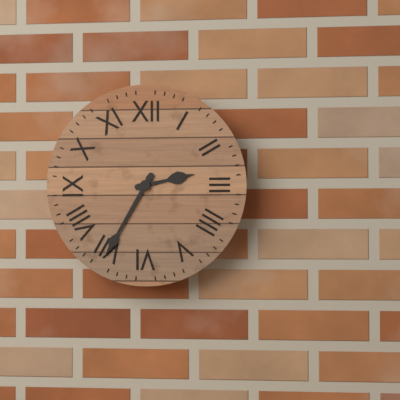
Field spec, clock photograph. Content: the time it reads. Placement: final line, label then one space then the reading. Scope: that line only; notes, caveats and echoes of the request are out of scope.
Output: 2:35
